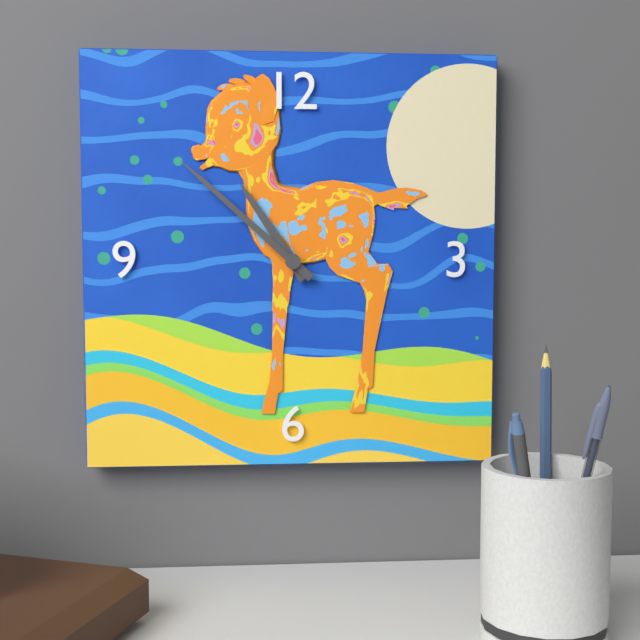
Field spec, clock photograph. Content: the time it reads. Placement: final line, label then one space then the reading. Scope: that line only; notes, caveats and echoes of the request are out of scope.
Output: 10:52
